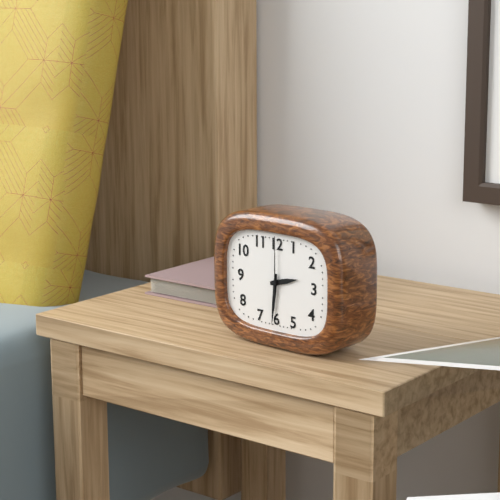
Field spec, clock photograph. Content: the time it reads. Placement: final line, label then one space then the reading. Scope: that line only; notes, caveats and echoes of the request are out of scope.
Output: 2:31:00
